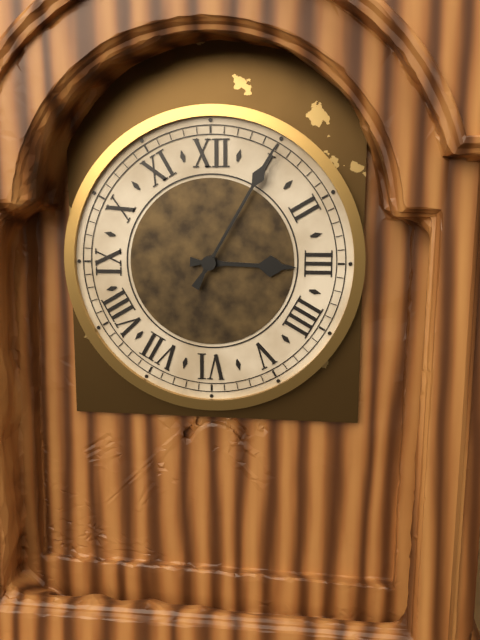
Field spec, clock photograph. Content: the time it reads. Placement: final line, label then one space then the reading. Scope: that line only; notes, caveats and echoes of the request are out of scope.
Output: 3:05
